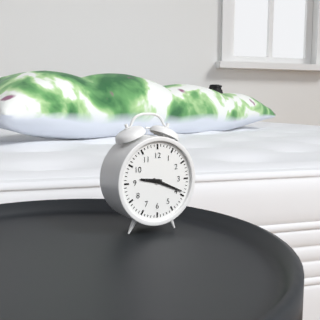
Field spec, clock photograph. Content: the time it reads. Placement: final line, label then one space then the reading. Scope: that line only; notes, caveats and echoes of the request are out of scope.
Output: 9:19
